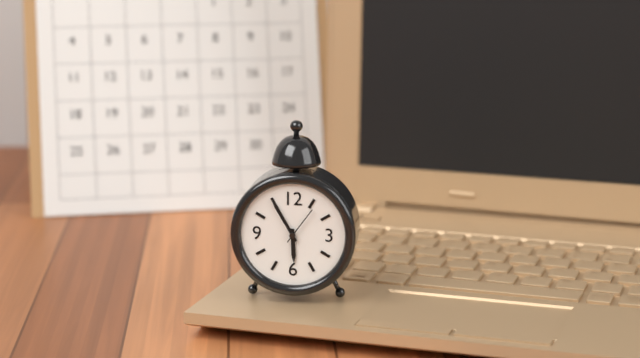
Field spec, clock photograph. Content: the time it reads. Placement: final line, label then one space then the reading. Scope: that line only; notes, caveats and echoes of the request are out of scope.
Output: 5:55
